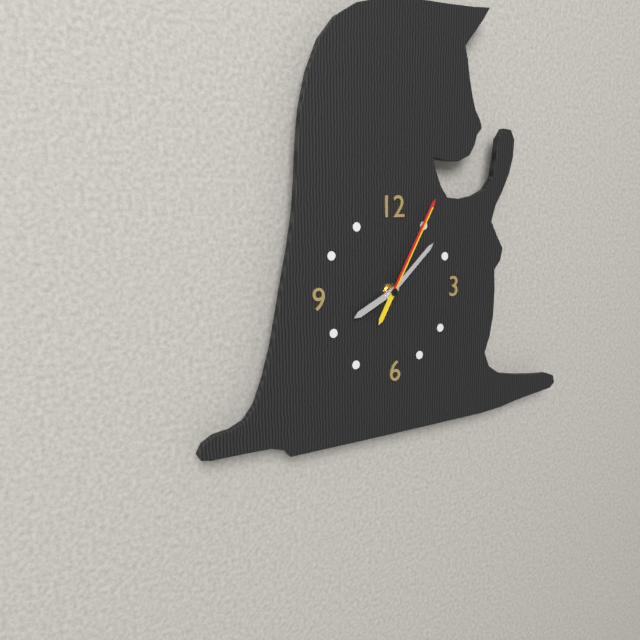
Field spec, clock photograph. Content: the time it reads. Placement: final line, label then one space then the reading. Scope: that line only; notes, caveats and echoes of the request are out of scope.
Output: 8:08:05
